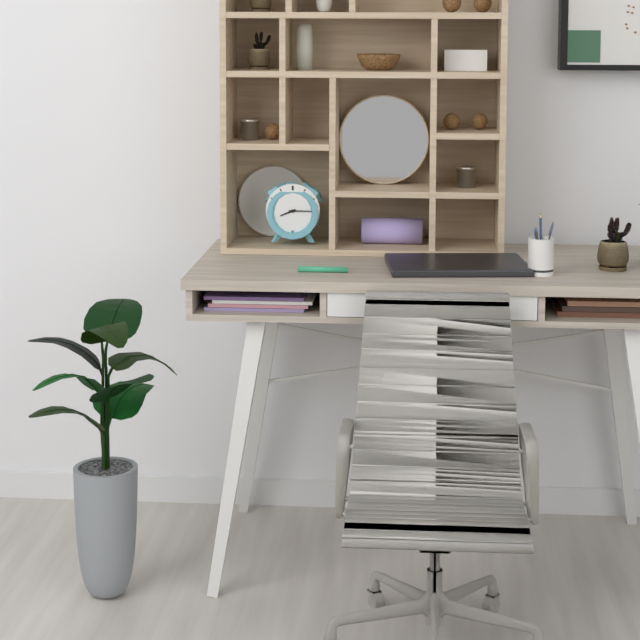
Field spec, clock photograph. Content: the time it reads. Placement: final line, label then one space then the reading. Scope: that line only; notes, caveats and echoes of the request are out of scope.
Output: 8:15
